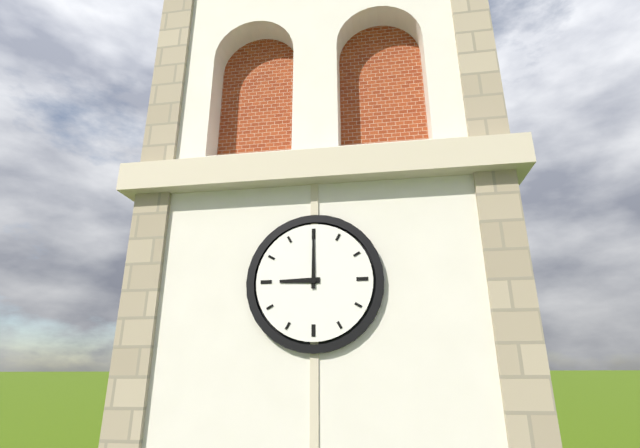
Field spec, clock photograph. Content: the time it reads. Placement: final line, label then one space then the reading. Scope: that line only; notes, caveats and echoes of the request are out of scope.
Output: 9:00
